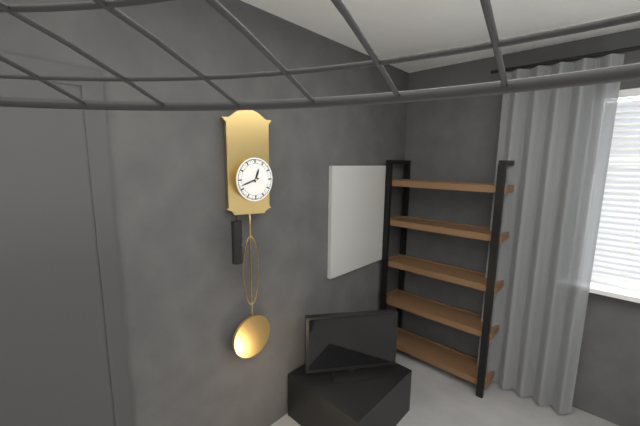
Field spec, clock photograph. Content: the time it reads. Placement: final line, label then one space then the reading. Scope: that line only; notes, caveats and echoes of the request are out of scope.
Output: 12:42
